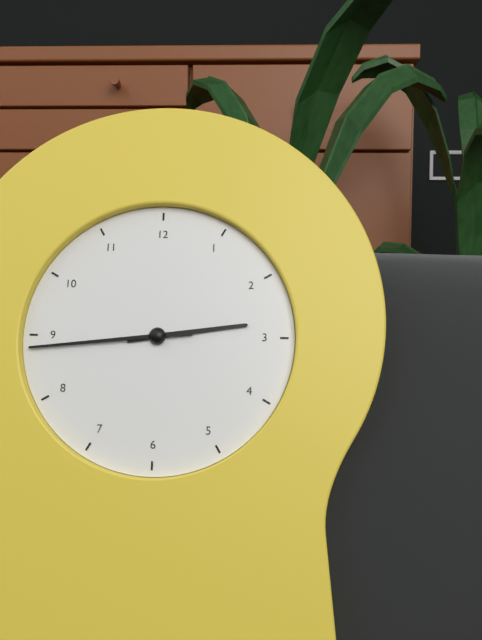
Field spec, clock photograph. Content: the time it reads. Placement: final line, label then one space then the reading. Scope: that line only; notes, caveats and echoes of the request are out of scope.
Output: 2:44
